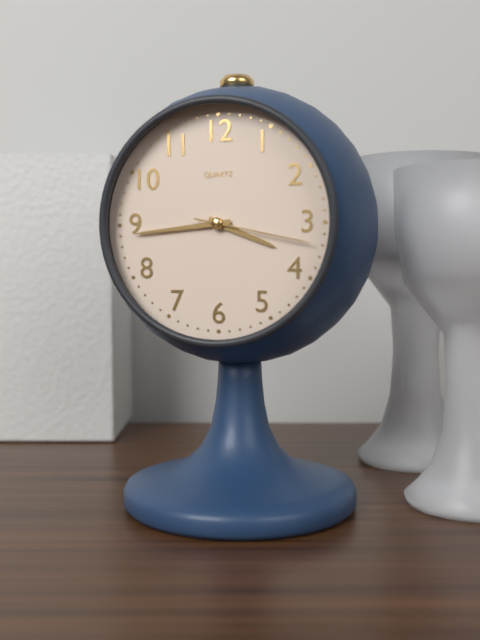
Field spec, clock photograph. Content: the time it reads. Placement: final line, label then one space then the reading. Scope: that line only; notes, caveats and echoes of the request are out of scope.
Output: 3:44:17
